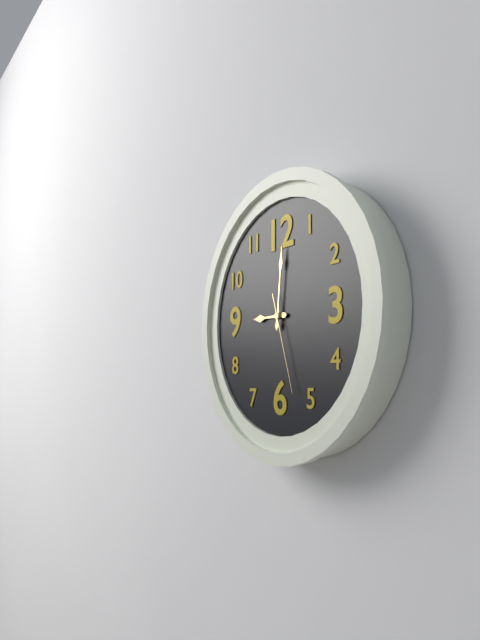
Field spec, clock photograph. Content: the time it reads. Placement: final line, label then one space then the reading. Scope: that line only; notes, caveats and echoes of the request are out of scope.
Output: 9:01:27
